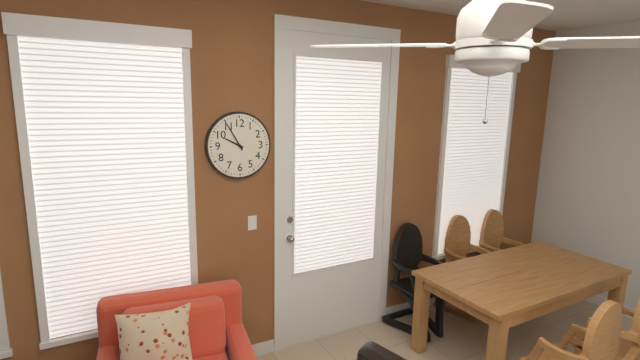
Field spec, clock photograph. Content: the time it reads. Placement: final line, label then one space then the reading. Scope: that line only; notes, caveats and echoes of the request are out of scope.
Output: 9:55
